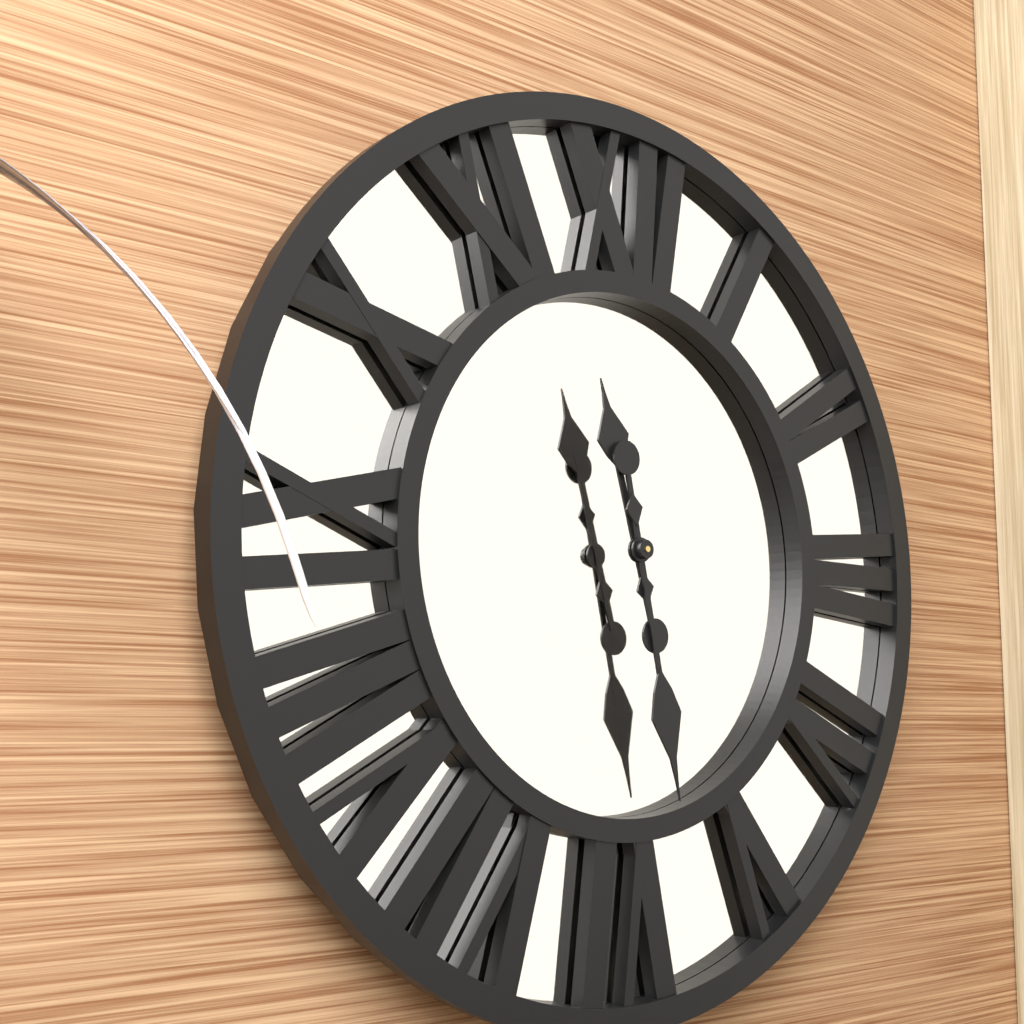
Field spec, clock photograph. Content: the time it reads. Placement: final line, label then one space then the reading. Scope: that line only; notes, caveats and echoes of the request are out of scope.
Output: 11:28
